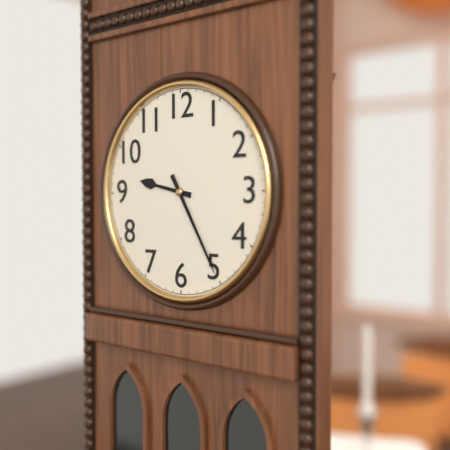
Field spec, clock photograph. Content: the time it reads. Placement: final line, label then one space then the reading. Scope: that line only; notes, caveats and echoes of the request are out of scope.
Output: 9:25
